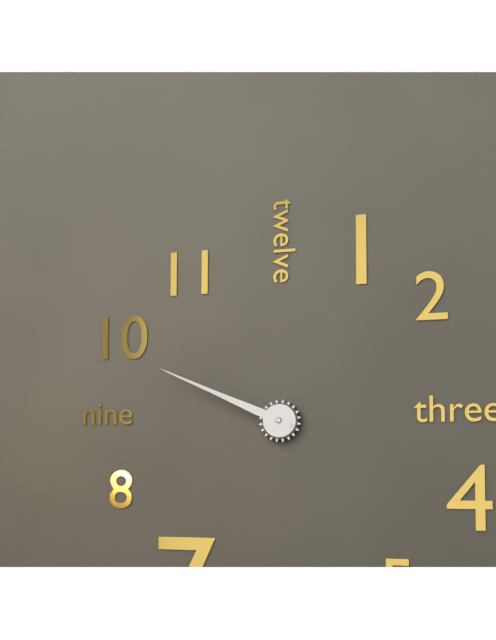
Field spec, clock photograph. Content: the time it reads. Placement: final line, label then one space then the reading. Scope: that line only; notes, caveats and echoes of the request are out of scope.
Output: 9:49
